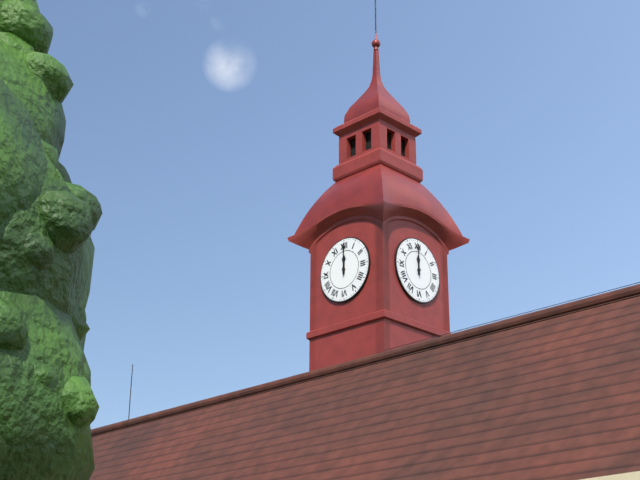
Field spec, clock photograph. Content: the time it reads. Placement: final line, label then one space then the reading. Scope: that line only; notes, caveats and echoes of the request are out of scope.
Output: 12:00
